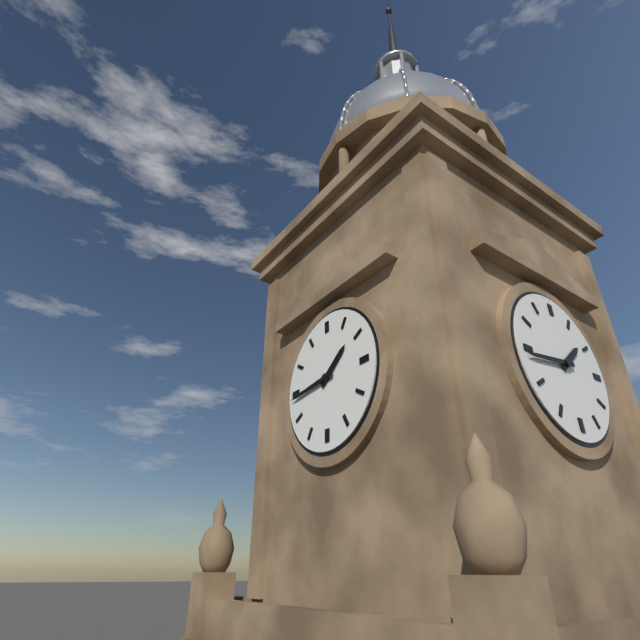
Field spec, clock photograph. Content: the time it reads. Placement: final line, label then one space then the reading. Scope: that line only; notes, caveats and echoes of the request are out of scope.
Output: 1:44
